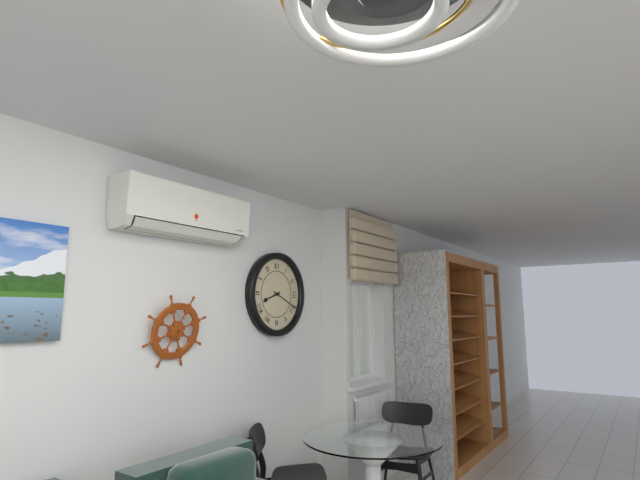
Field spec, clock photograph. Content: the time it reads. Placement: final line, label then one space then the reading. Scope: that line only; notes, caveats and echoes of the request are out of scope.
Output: 8:19
